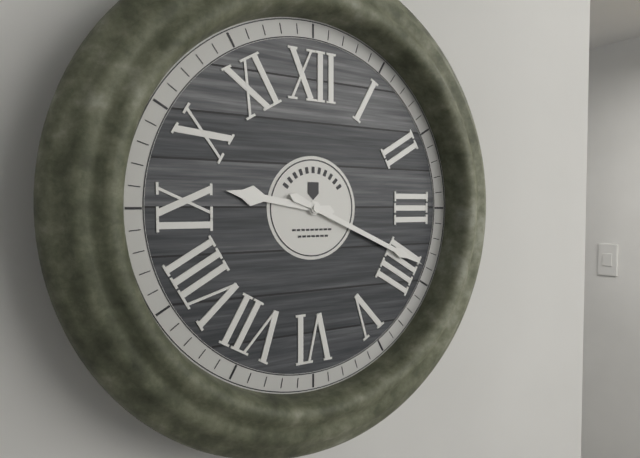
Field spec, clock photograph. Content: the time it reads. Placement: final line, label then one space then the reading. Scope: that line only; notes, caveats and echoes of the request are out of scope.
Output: 9:19
